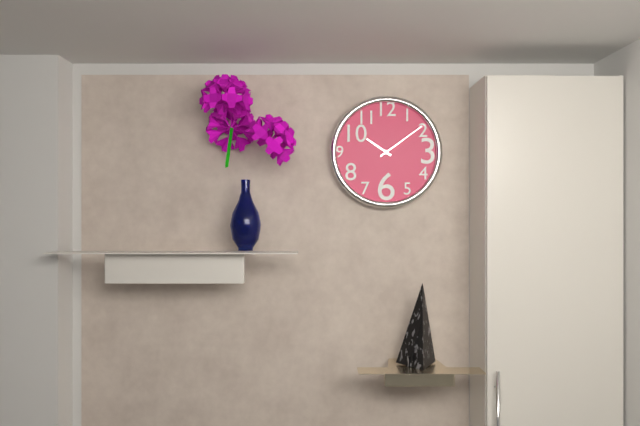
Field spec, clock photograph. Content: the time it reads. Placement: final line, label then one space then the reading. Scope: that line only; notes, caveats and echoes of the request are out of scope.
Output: 10:09
